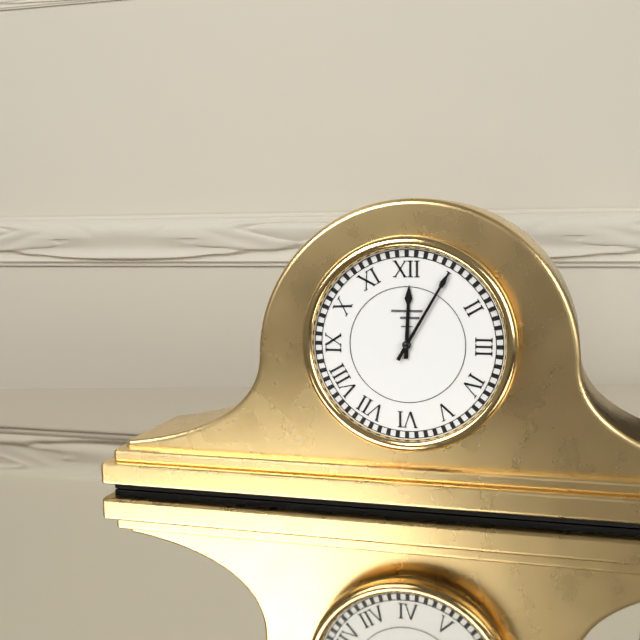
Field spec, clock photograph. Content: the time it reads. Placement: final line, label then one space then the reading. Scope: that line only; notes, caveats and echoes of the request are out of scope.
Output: 12:05
